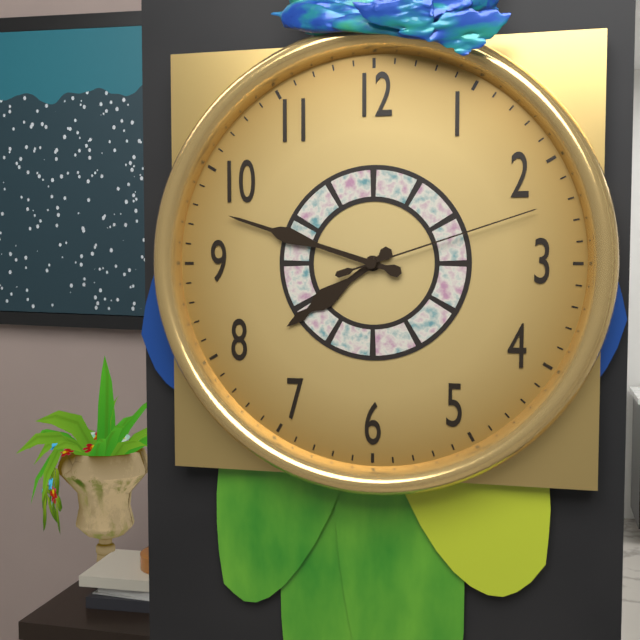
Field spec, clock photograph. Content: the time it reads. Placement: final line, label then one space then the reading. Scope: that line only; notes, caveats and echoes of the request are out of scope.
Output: 7:48:12
